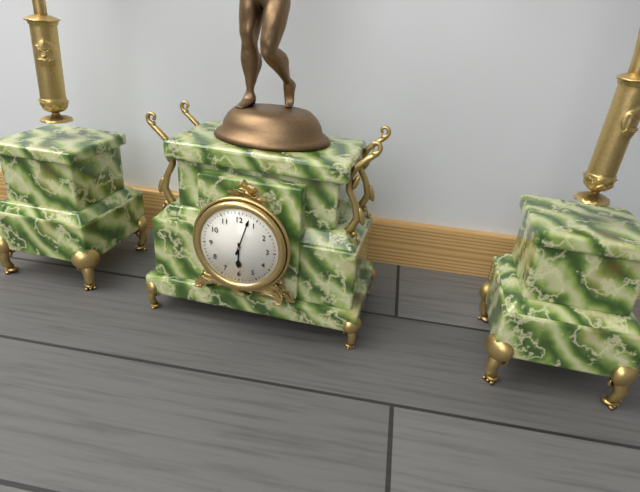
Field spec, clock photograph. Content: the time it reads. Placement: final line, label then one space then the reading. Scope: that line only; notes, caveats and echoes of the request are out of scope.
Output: 6:03
